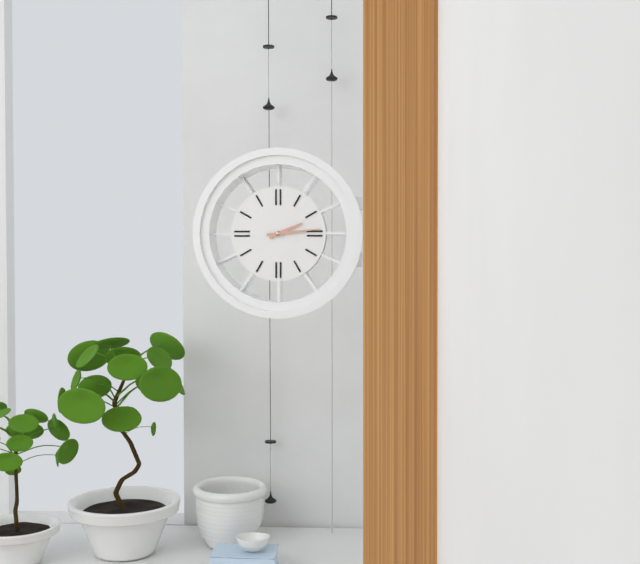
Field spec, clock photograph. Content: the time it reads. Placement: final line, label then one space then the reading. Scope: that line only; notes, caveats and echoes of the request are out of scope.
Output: 2:14
